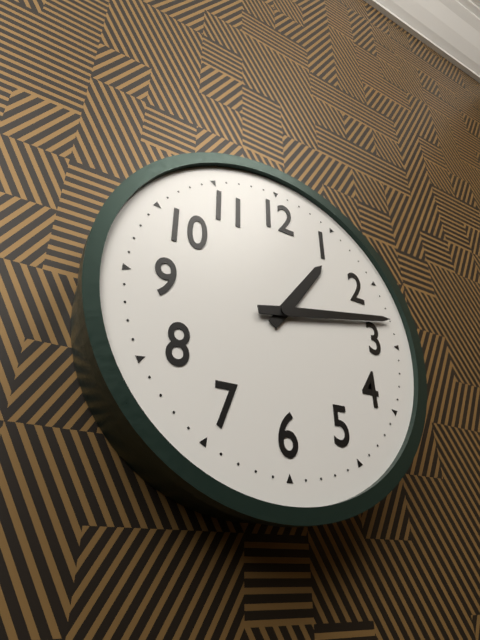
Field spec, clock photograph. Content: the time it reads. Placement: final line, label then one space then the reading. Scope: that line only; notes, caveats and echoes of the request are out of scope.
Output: 1:13
